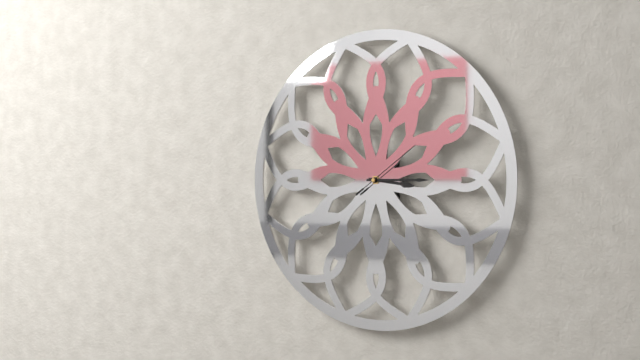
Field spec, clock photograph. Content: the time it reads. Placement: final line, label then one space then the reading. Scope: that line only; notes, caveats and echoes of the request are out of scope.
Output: 3:15:09
